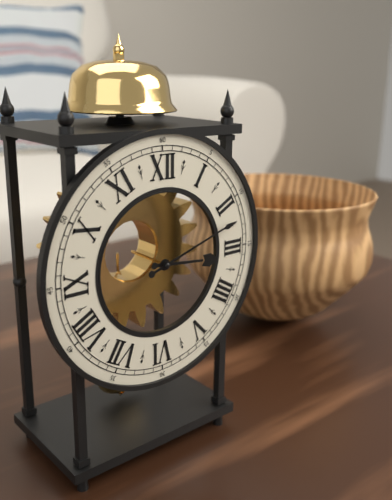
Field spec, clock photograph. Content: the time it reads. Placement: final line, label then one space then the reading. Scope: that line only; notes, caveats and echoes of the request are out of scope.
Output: 3:12
